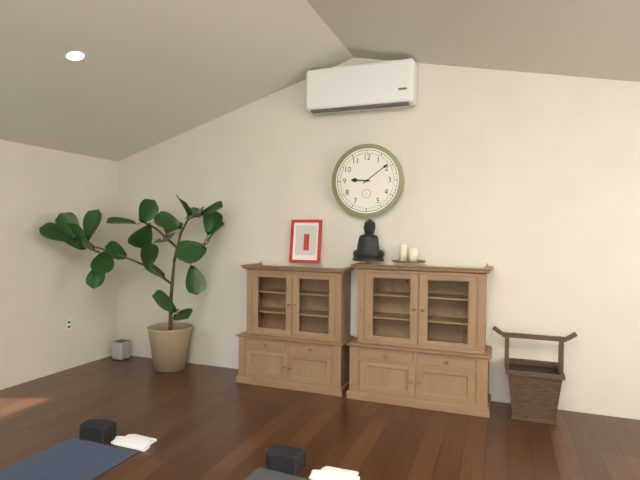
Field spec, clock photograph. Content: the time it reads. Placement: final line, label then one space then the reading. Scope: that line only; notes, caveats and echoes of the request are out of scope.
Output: 9:09
